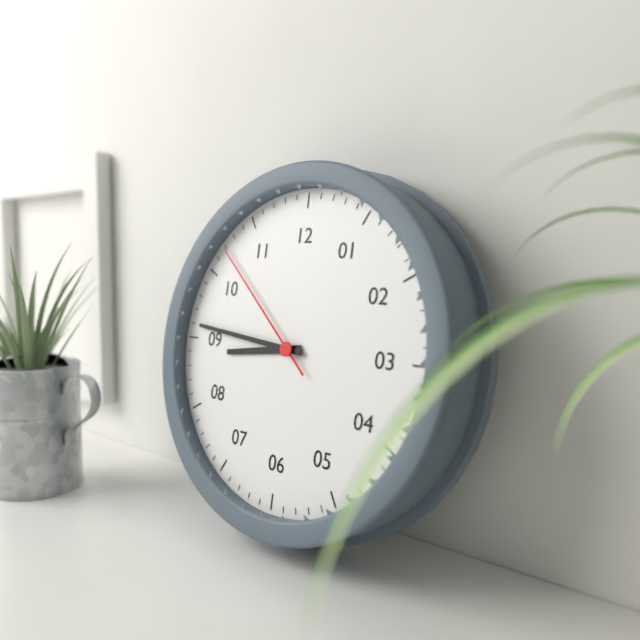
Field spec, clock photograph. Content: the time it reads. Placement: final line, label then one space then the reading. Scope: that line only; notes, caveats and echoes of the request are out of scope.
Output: 8:46:52
